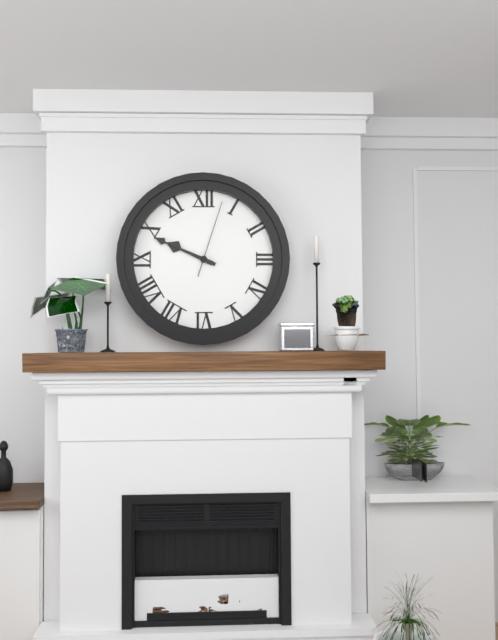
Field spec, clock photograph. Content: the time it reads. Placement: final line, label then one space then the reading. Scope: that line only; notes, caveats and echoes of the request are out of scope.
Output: 9:49:03
